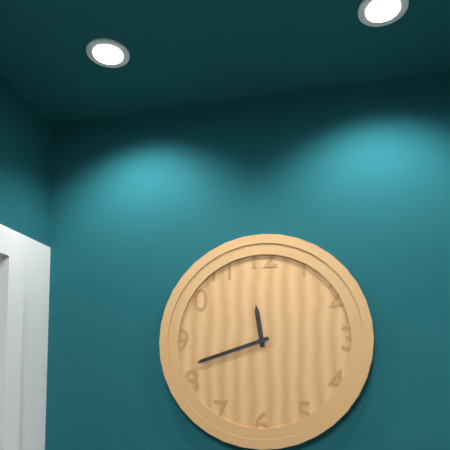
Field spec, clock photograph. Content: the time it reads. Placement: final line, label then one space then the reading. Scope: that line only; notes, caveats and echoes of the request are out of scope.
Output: 11:42
